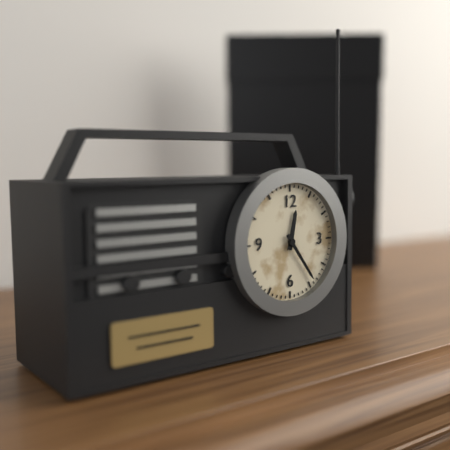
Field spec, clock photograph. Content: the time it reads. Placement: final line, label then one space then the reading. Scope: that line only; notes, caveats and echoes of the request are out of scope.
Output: 12:24
